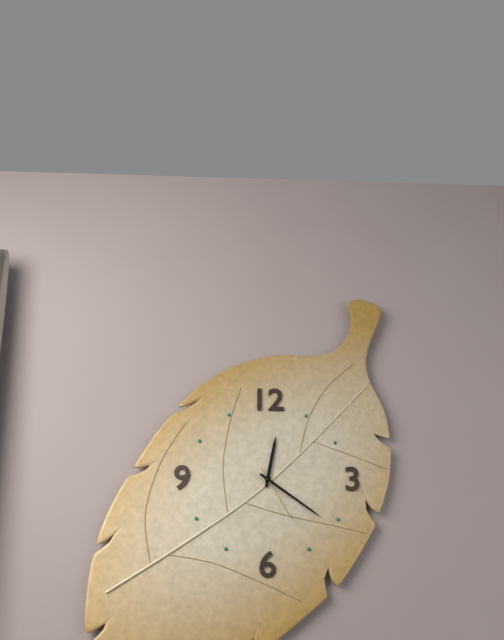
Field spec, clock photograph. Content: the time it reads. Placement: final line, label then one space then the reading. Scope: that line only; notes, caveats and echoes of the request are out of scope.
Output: 12:21:25
